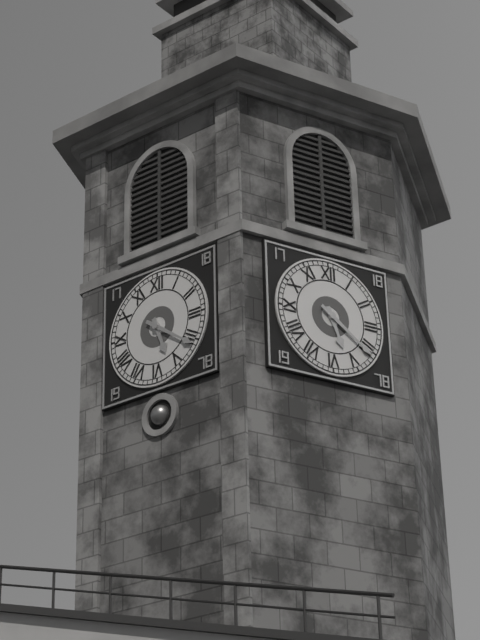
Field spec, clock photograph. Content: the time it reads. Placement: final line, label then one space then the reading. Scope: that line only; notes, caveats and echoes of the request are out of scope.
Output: 5:21
